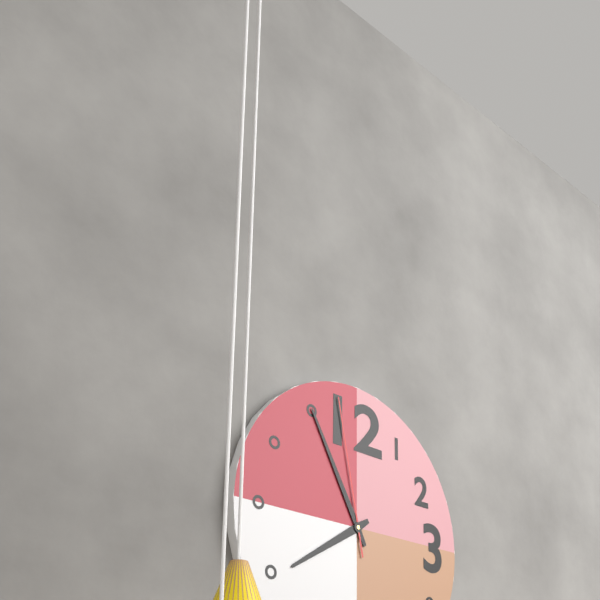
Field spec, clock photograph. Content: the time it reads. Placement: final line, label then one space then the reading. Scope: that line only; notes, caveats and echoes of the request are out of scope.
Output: 7:55:58
